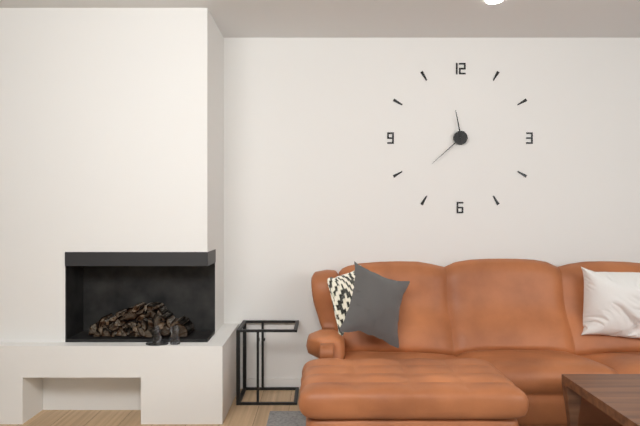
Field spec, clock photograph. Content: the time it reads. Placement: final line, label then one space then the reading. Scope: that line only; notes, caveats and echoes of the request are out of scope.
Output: 11:38
